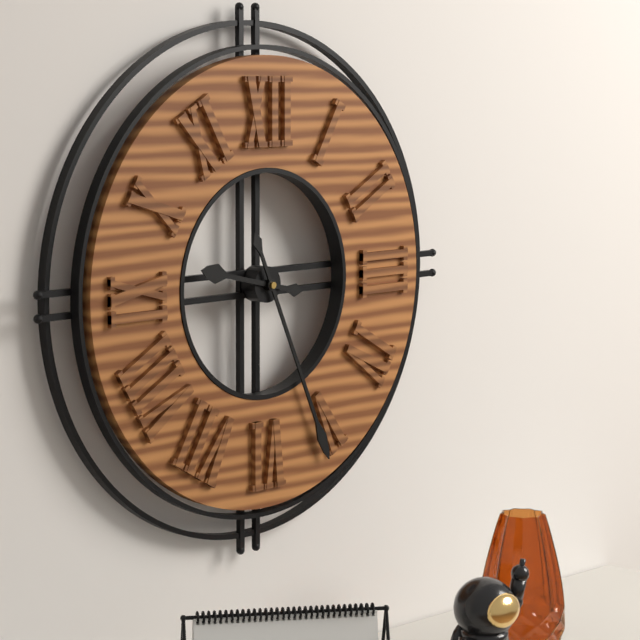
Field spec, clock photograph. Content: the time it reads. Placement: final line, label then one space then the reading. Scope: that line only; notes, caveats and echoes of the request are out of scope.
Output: 9:26
